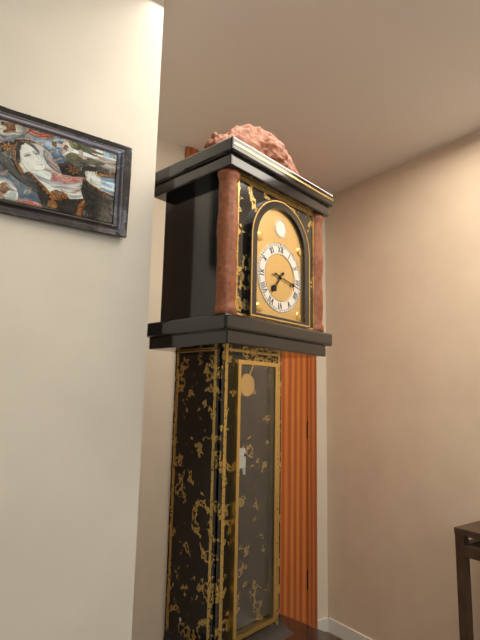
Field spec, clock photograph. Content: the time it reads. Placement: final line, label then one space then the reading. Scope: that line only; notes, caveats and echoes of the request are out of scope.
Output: 7:17
